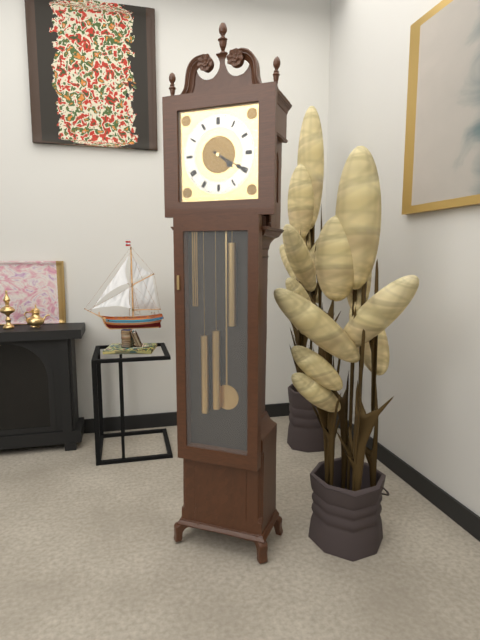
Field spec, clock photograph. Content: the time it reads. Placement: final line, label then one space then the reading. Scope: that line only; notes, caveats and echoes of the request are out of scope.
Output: 4:20
